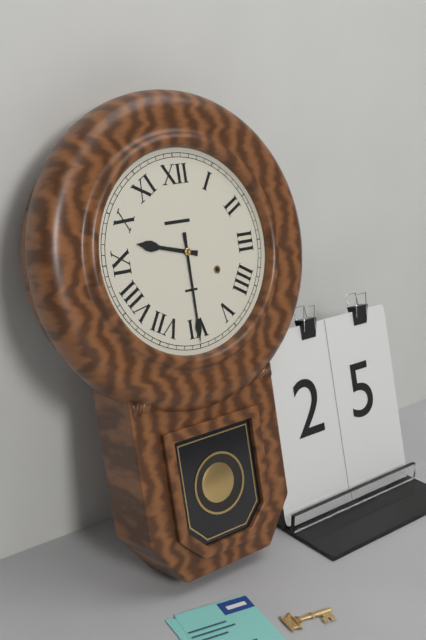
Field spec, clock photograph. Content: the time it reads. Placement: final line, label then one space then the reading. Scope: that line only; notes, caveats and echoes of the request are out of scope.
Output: 9:30
